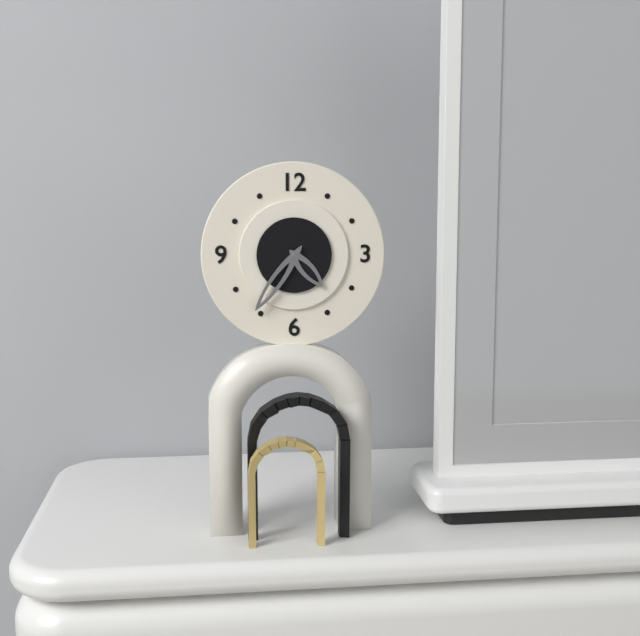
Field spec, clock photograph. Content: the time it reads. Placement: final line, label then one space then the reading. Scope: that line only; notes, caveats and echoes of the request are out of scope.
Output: 4:36
